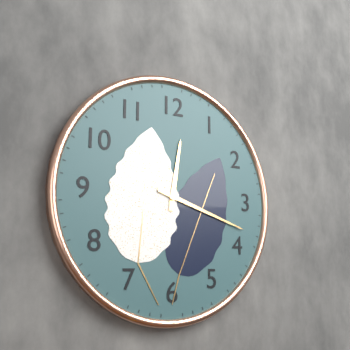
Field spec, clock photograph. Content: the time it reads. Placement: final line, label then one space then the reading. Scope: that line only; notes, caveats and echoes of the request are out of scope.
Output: 12:18
